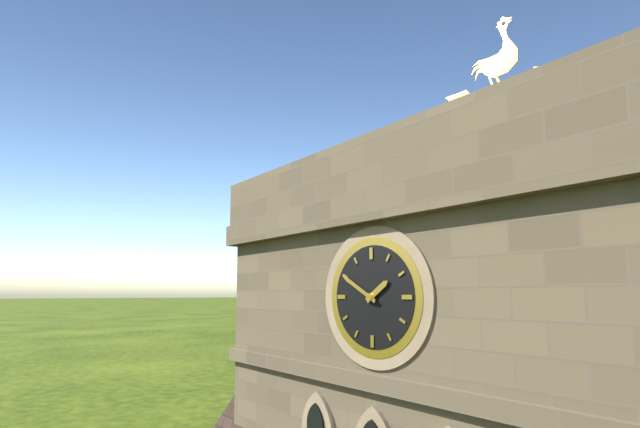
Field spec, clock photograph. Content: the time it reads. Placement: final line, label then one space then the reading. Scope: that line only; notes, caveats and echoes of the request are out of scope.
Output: 1:50
